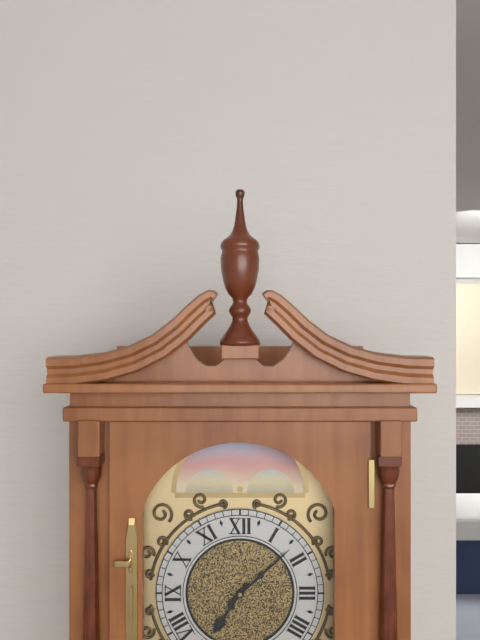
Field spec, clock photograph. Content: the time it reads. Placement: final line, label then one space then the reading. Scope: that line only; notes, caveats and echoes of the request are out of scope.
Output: 7:08
